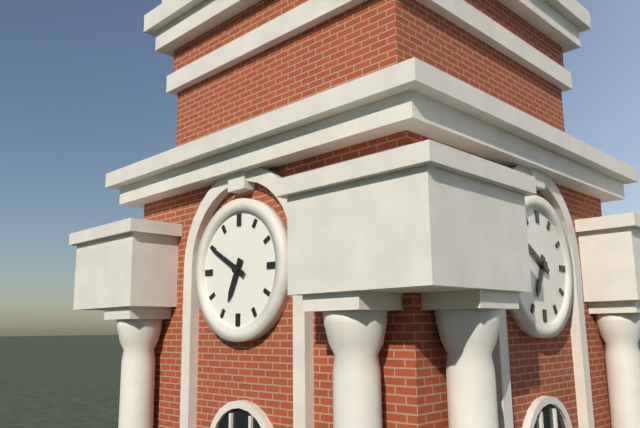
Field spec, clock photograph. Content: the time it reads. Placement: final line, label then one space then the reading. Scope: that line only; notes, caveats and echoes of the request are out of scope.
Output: 6:50
